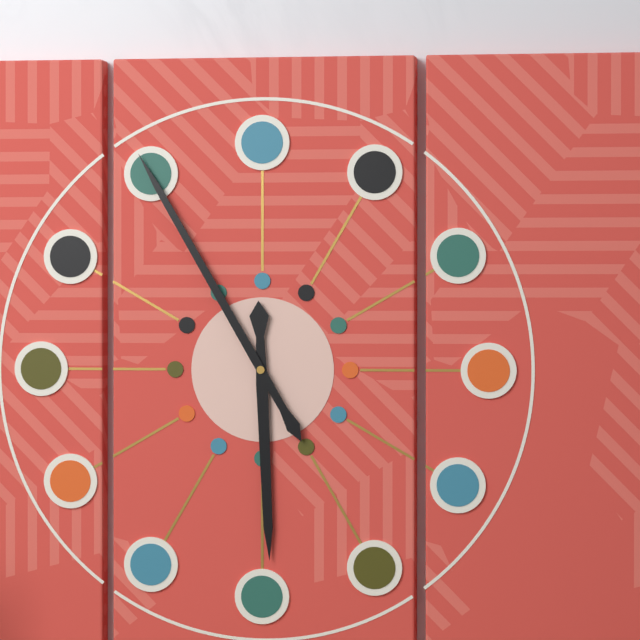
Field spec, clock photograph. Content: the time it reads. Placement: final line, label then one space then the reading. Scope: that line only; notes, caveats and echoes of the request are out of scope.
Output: 5:55
